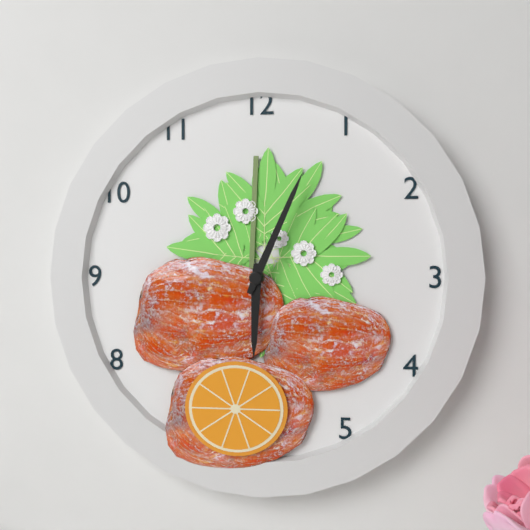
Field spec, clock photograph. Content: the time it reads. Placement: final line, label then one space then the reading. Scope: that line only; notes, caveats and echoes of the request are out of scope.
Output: 6:04
